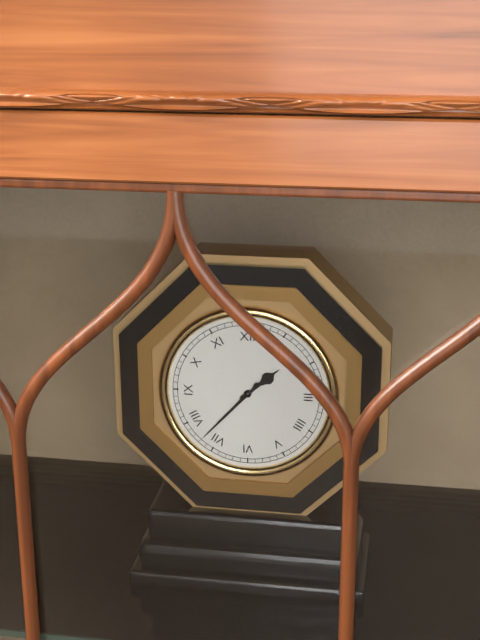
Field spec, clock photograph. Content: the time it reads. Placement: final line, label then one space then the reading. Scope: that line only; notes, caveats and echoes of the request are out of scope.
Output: 1:37
